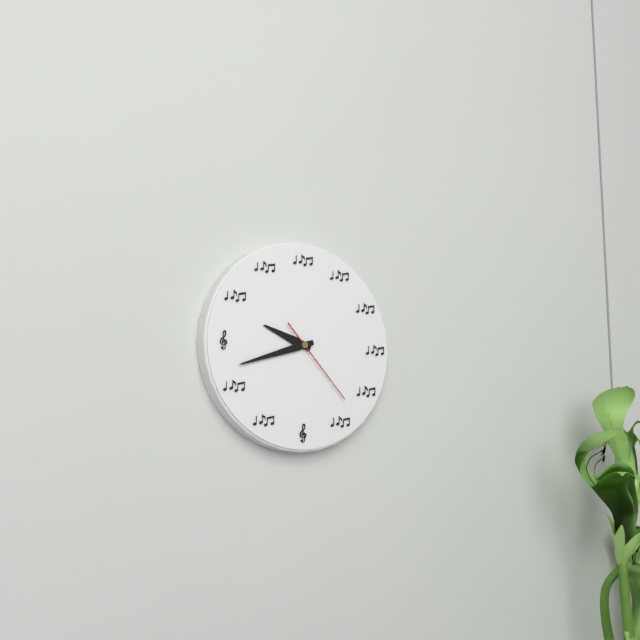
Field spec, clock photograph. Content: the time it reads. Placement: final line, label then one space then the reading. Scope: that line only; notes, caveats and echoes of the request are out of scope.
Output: 9:42:23
